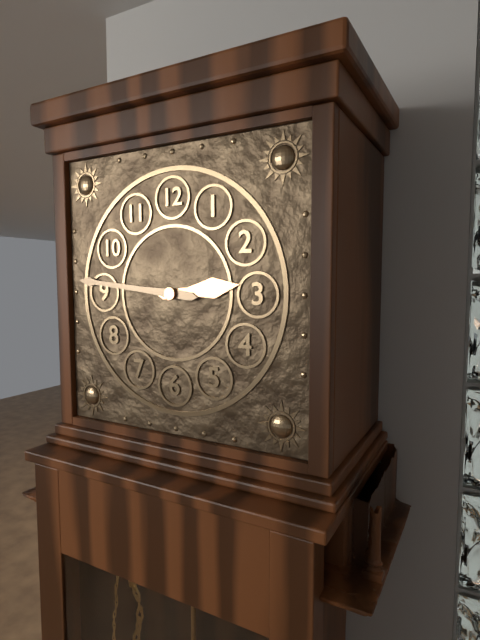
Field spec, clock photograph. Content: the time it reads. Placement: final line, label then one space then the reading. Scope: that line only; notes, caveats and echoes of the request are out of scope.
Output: 2:46
